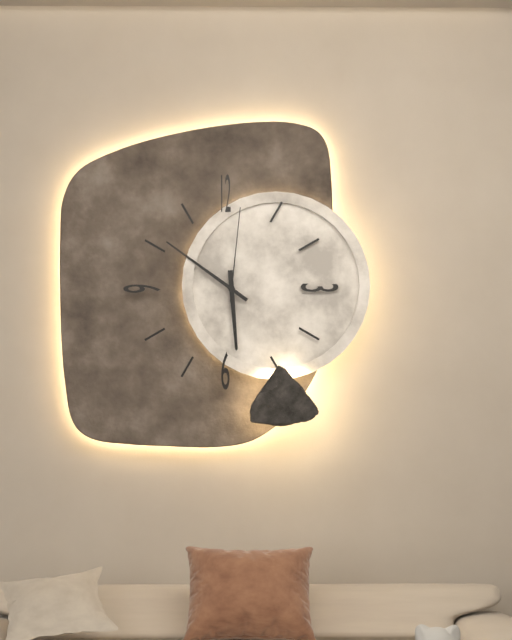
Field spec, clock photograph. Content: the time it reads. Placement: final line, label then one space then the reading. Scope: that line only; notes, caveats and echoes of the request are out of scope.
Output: 5:51:01
